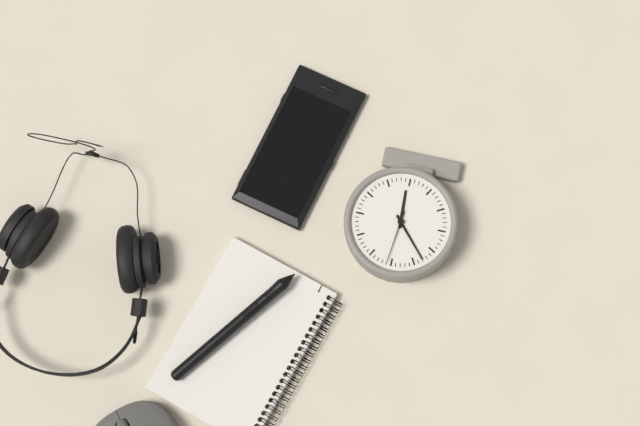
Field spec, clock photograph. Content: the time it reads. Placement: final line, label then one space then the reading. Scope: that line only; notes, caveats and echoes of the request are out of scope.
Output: 5:53:01
